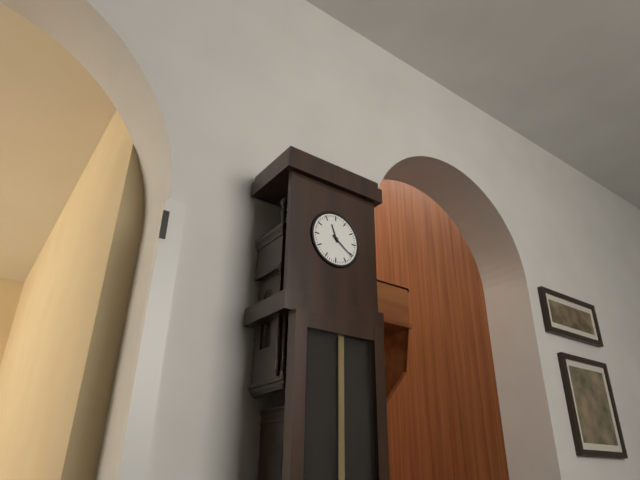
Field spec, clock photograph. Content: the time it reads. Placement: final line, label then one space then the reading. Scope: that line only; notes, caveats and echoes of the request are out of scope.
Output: 11:21
